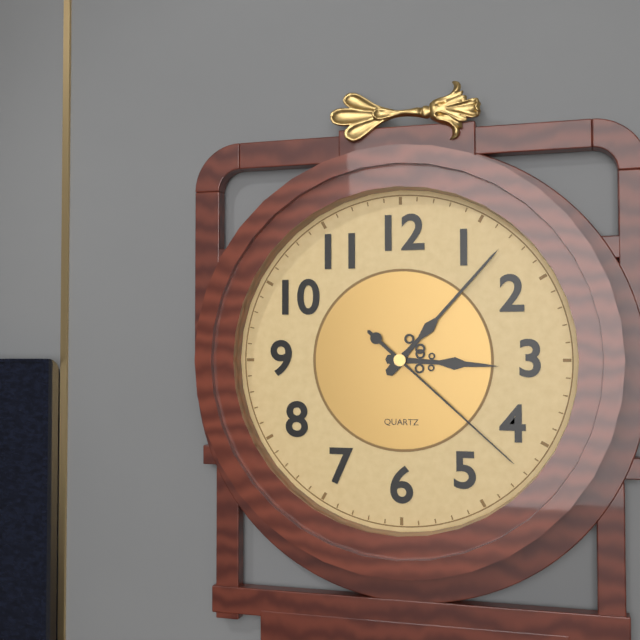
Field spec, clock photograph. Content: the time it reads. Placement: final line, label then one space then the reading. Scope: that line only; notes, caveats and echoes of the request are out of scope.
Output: 3:07:22
